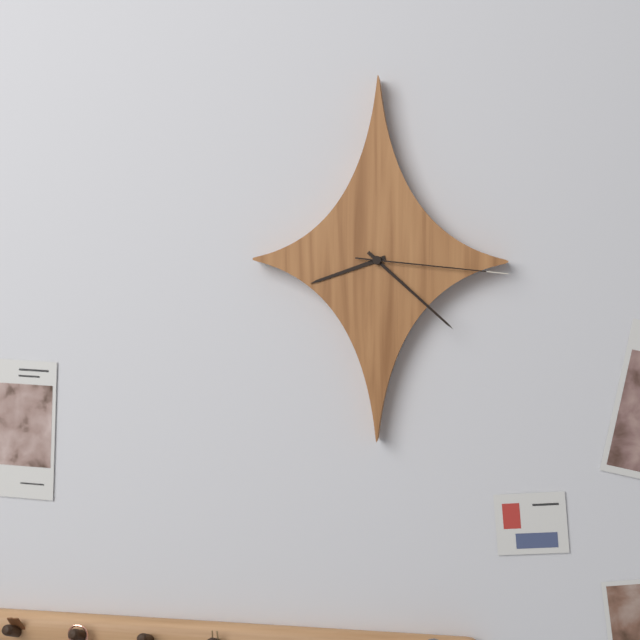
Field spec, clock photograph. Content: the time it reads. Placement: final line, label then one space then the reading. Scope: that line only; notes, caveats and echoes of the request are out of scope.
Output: 8:22:16
